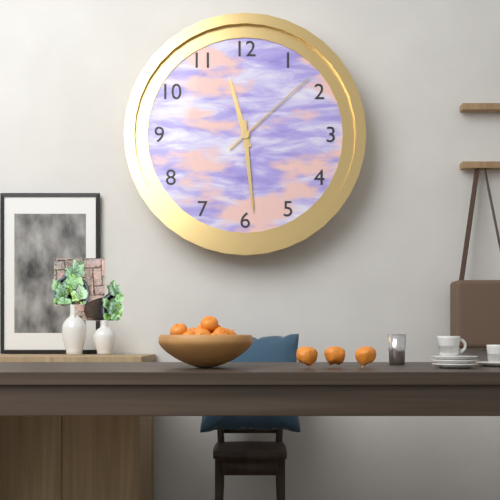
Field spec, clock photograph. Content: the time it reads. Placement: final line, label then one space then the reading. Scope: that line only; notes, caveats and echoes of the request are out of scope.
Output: 11:29:08
